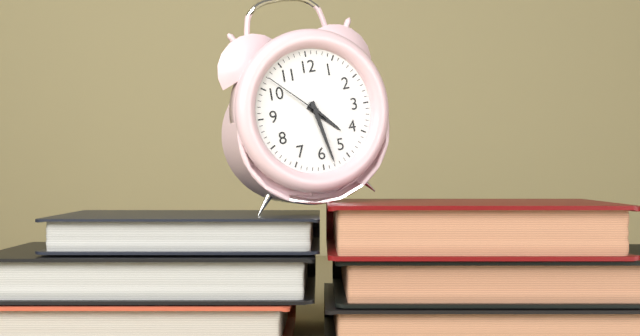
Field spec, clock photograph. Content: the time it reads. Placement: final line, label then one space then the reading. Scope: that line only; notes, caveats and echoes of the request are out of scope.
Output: 4:28:52
